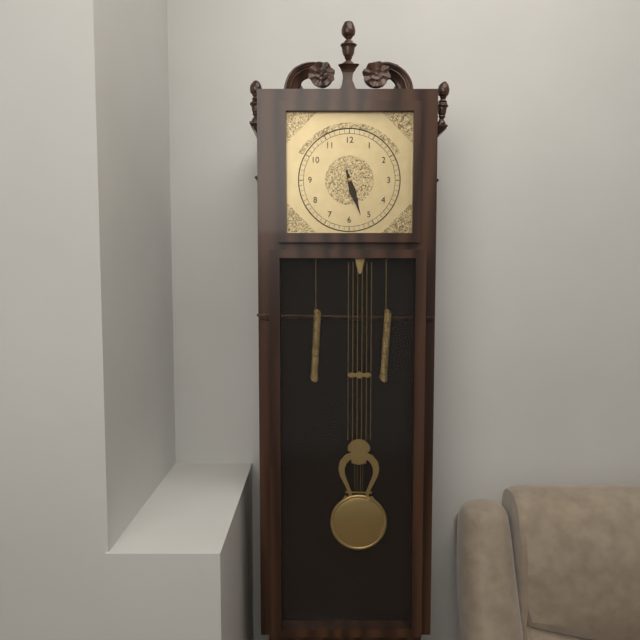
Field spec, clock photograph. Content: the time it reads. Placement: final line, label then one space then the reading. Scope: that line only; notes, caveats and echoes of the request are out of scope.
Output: 5:27
